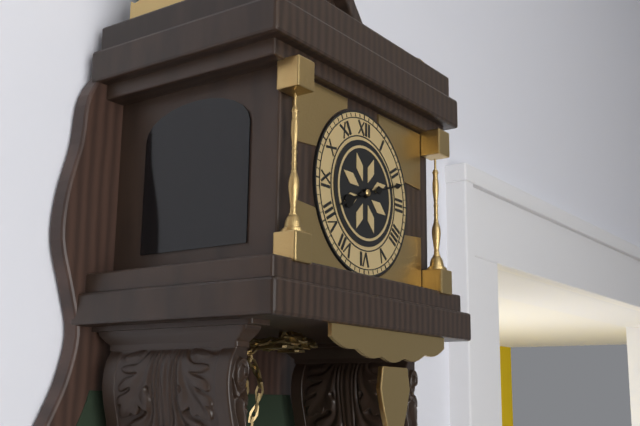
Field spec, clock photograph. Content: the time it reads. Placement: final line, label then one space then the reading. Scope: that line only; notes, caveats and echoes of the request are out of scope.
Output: 8:12
